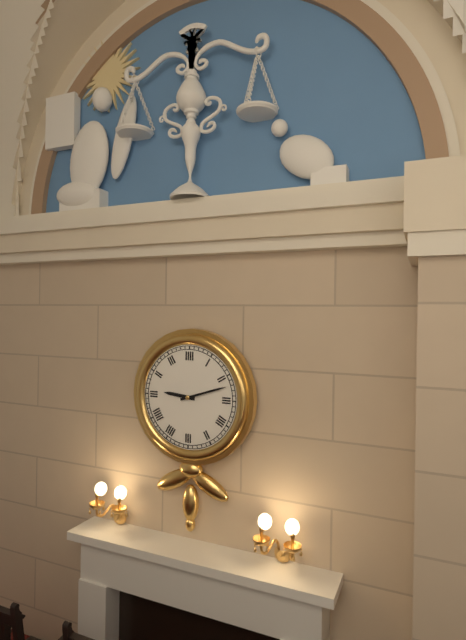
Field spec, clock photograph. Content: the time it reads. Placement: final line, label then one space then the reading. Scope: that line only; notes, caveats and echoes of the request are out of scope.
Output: 9:12
